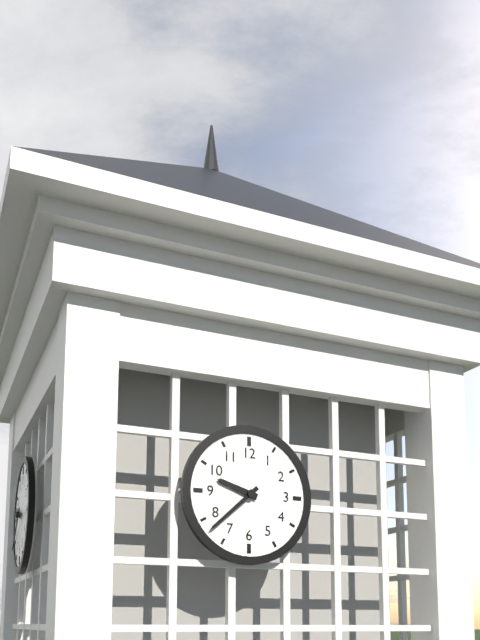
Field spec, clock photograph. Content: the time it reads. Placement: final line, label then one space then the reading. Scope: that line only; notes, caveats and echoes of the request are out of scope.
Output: 9:38
